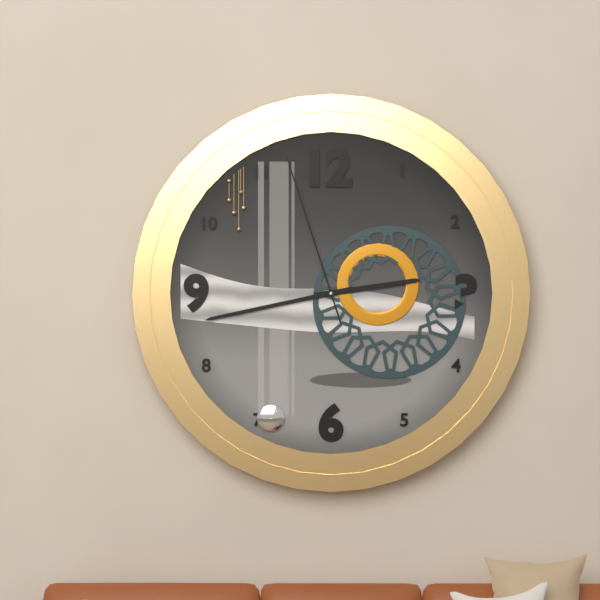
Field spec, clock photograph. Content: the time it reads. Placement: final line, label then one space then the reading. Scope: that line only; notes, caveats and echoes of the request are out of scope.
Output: 2:43:57
